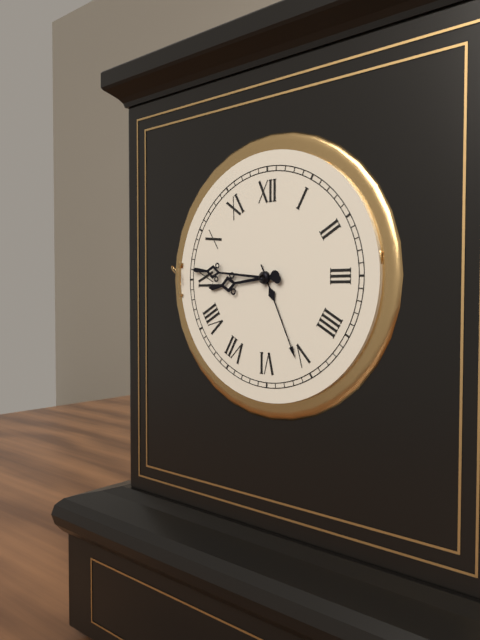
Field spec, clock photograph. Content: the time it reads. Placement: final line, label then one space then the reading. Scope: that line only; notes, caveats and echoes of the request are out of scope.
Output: 8:46
